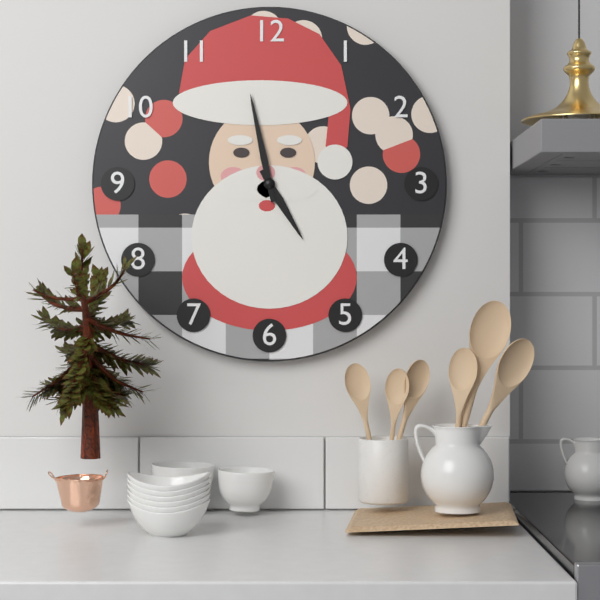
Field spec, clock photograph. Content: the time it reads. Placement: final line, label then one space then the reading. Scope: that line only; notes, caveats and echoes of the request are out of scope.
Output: 4:58
